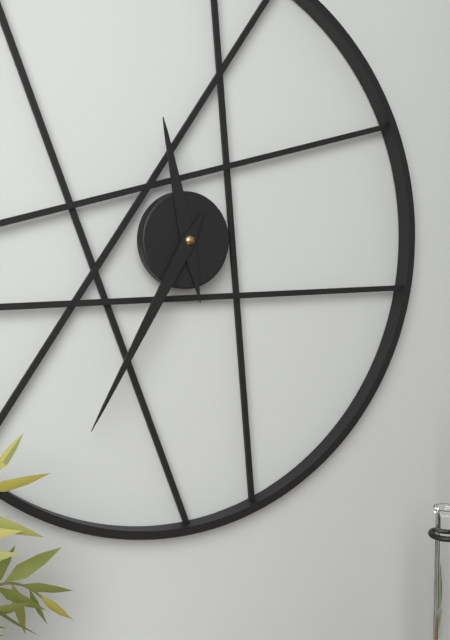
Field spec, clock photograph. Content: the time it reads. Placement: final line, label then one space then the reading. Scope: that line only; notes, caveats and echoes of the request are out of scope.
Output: 11:35
